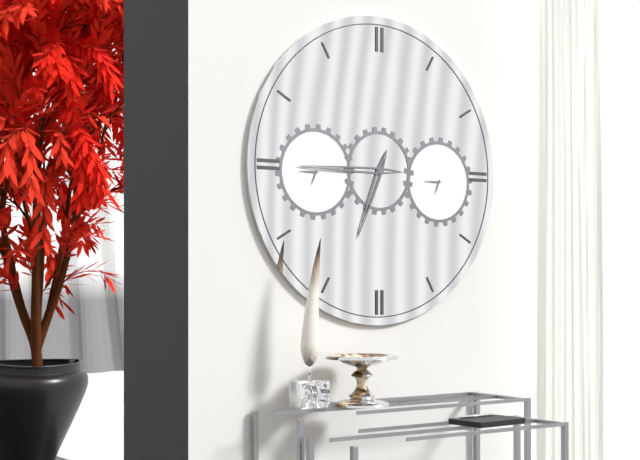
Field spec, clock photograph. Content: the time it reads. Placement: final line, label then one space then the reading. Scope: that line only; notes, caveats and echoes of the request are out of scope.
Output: 6:45
